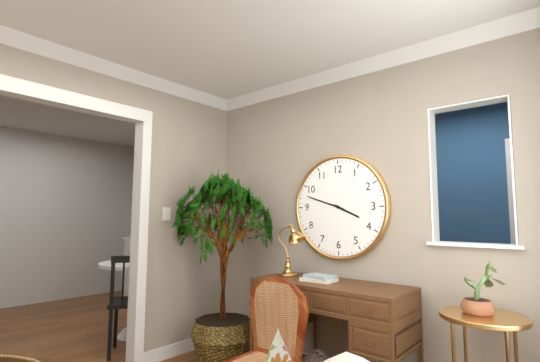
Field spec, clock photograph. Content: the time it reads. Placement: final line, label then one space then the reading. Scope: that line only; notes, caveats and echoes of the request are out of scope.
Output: 3:48
